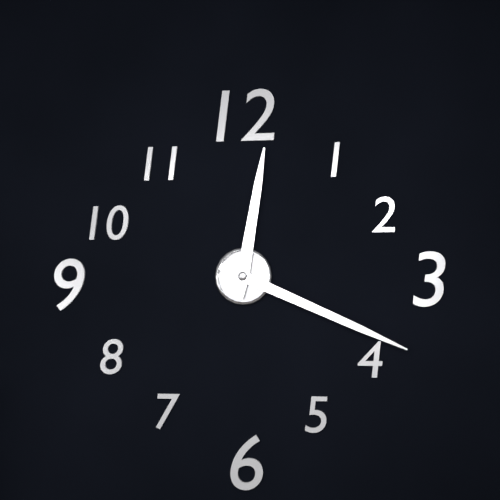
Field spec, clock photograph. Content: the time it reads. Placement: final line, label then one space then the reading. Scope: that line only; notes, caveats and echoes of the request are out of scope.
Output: 12:19
